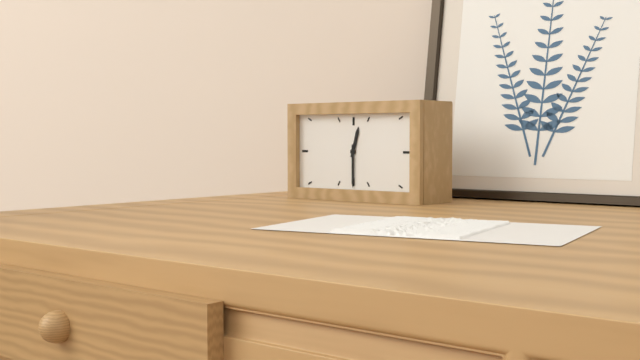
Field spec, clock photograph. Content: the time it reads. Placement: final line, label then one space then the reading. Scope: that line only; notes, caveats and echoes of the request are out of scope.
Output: 12:30
